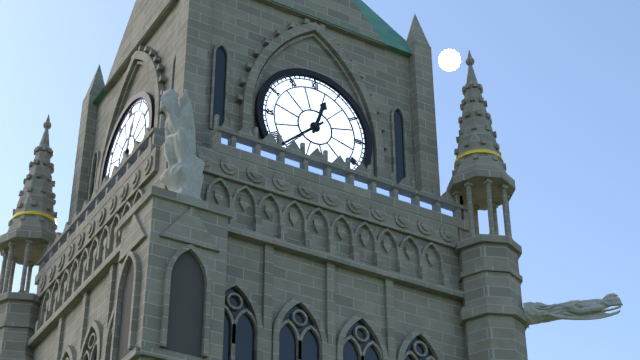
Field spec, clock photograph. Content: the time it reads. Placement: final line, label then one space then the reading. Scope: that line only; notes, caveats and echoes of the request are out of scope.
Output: 12:38
